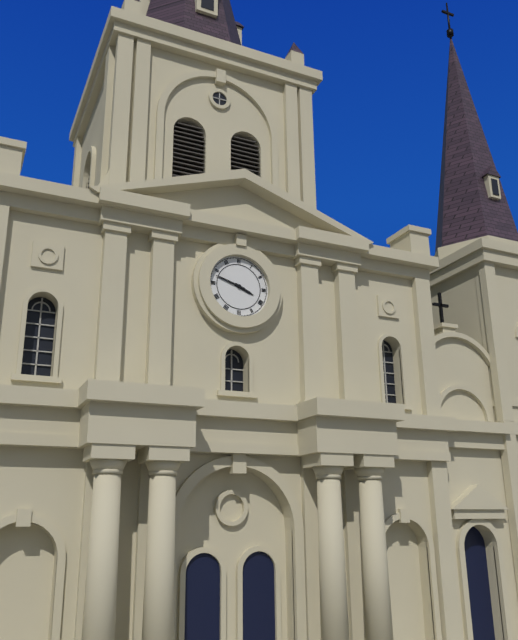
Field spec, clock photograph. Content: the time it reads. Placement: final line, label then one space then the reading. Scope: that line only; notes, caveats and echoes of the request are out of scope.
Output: 3:48
